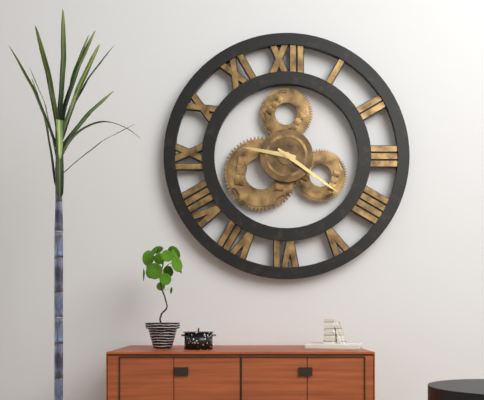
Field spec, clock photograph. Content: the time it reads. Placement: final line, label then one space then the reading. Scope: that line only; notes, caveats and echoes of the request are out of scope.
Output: 9:21
